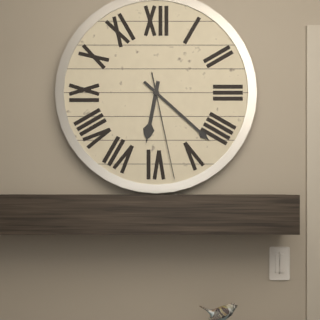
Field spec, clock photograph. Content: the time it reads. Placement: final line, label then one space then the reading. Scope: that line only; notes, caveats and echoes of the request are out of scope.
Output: 6:22:28
